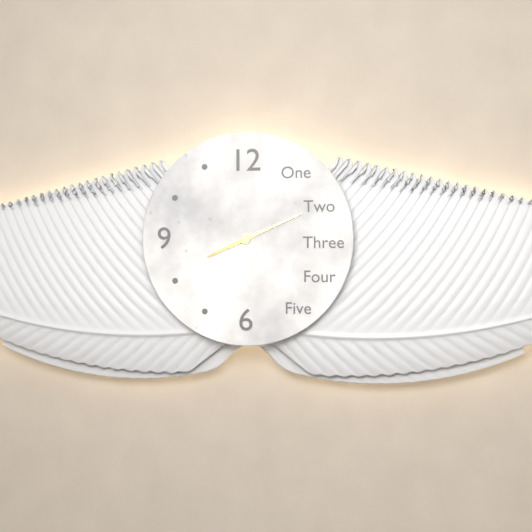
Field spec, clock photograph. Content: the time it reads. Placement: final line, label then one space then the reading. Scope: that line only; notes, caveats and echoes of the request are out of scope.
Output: 8:11
